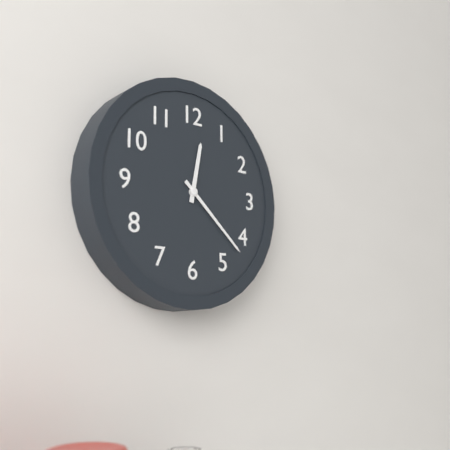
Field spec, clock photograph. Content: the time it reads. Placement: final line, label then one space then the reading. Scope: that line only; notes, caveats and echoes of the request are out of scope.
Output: 12:22
